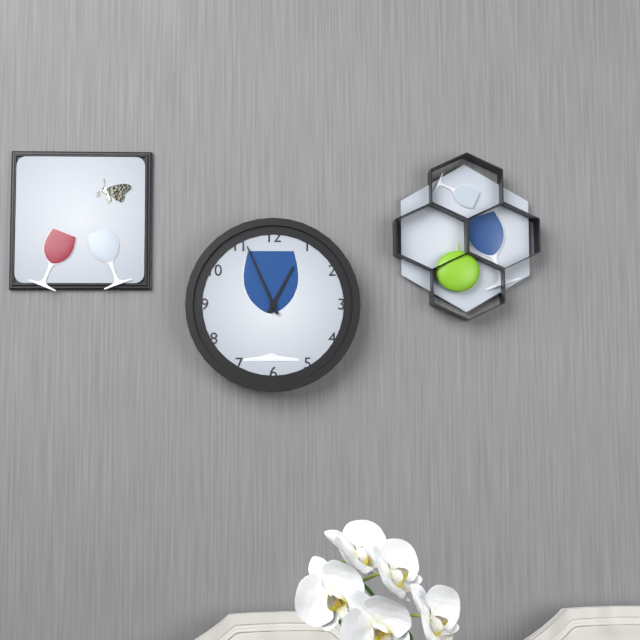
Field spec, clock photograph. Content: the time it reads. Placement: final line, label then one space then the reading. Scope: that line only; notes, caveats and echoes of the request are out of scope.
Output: 12:56
